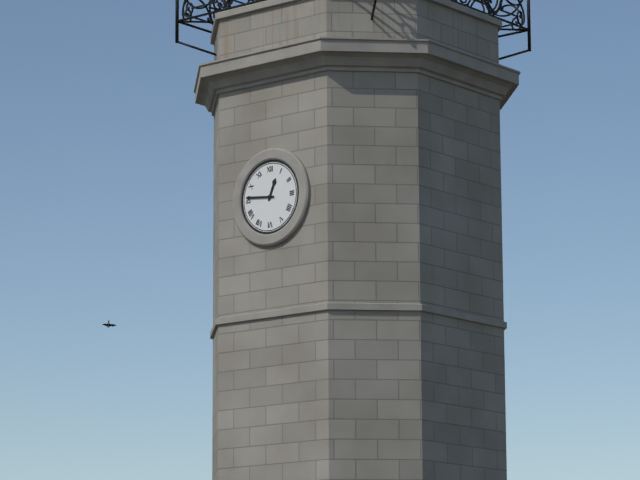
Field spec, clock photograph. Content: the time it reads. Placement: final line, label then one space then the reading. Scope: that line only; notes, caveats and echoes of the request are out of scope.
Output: 12:46
